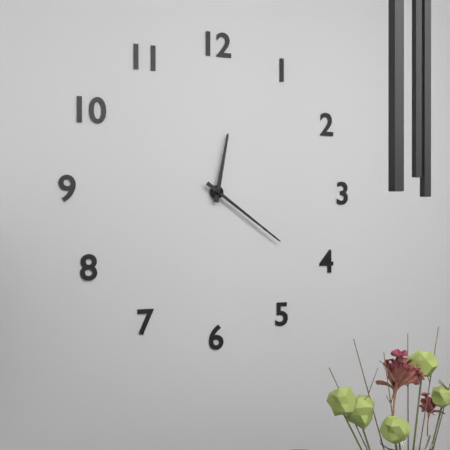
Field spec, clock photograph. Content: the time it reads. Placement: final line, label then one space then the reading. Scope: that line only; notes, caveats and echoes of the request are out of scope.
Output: 12:21
